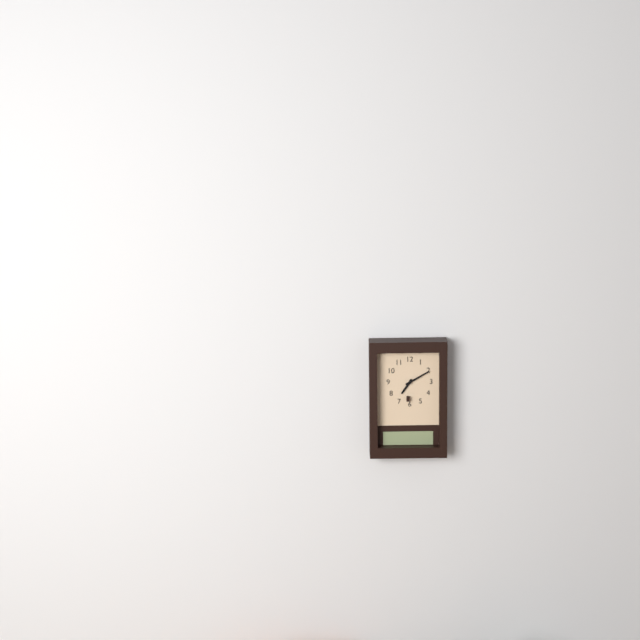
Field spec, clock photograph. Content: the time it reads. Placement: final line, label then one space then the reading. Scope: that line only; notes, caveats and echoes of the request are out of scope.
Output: 7:10
